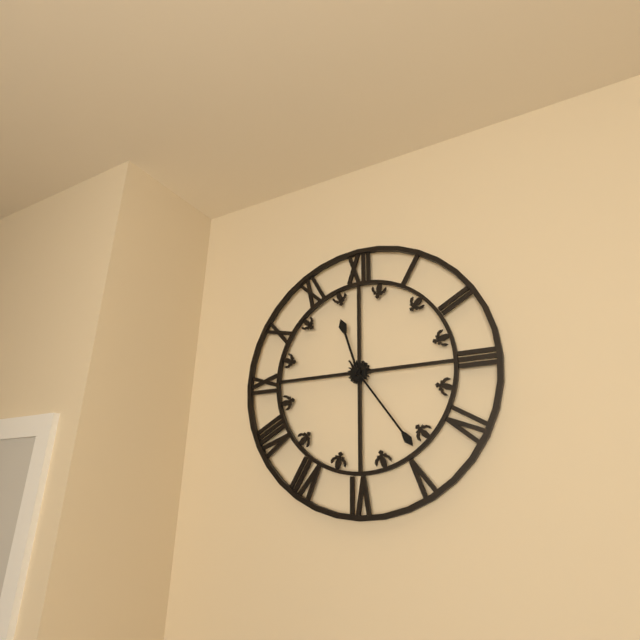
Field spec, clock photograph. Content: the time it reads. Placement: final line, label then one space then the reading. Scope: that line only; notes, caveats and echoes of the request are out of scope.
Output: 11:24
